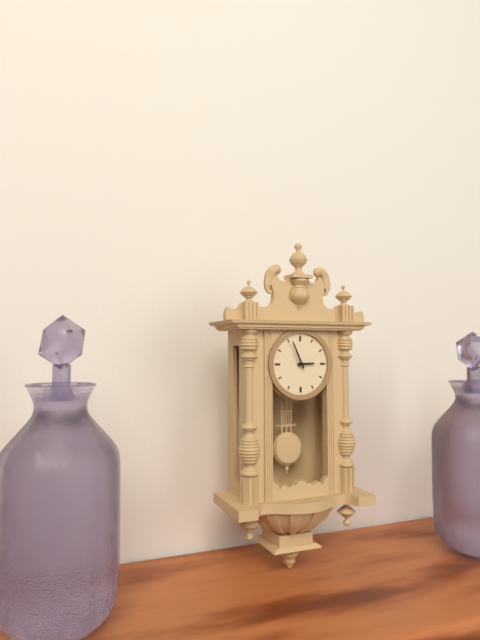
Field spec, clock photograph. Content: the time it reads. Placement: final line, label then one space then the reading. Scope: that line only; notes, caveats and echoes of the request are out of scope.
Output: 2:56
